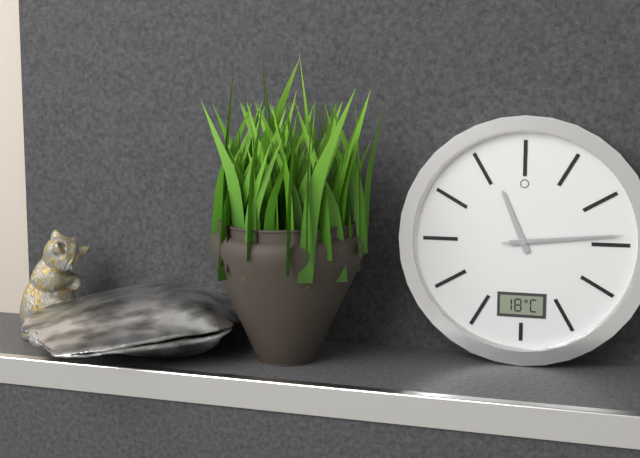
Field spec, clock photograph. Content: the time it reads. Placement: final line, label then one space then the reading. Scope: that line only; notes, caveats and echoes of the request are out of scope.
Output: 11:14:14
